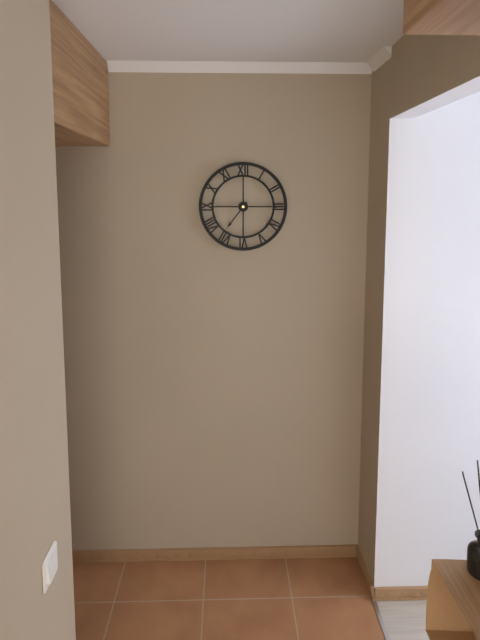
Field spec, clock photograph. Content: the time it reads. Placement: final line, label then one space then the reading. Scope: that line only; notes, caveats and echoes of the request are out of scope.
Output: 7:15
